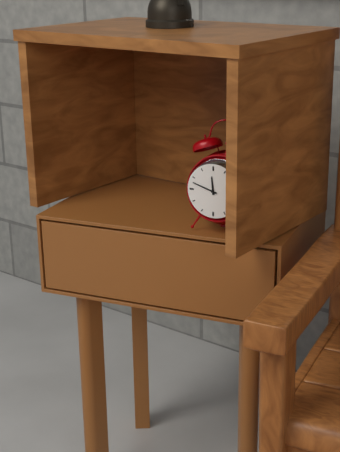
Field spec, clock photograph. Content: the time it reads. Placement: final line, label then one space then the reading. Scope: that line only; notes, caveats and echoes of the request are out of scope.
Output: 11:48
